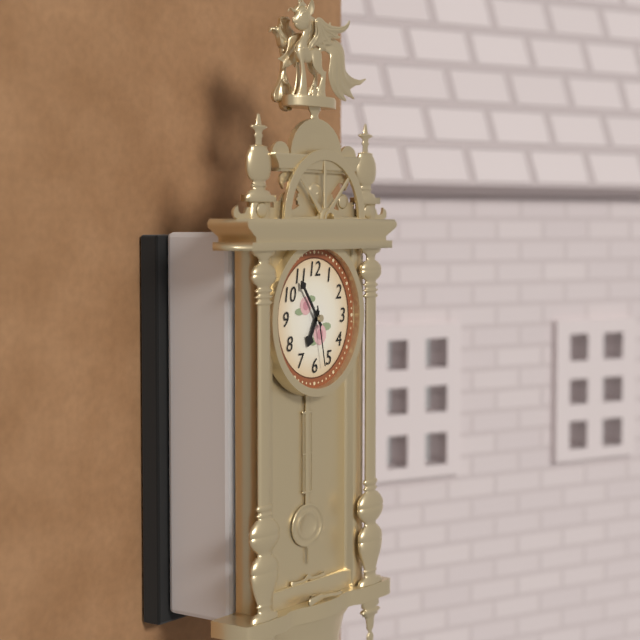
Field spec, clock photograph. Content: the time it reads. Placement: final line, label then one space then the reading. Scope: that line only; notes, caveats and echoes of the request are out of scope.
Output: 6:54:28
